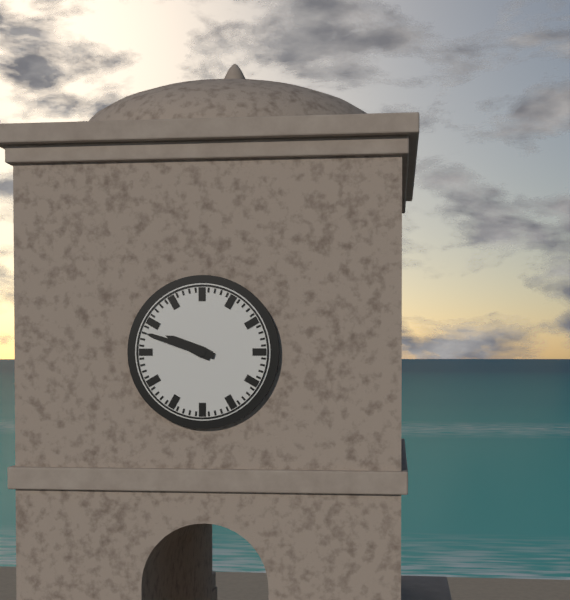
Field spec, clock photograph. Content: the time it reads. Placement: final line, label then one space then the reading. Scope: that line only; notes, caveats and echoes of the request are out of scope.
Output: 9:48
